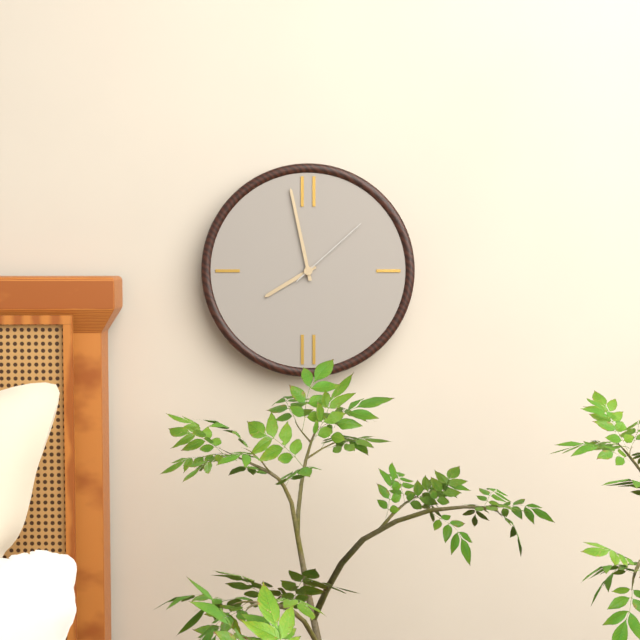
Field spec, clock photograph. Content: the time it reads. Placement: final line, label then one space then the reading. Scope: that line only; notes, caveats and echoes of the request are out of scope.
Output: 7:58:08
